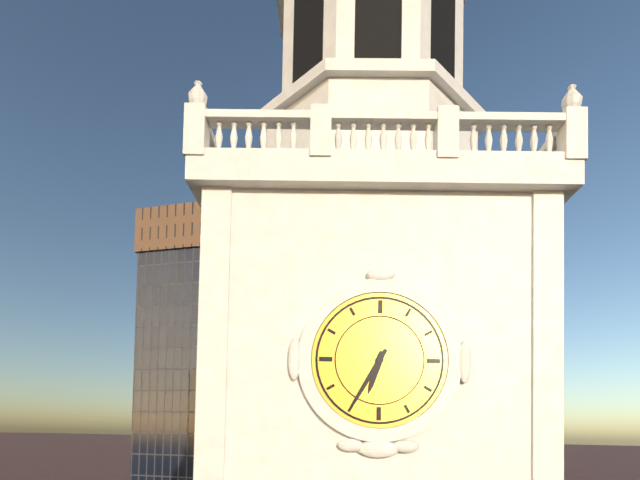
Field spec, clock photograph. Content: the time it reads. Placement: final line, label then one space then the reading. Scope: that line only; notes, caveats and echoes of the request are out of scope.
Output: 6:35
